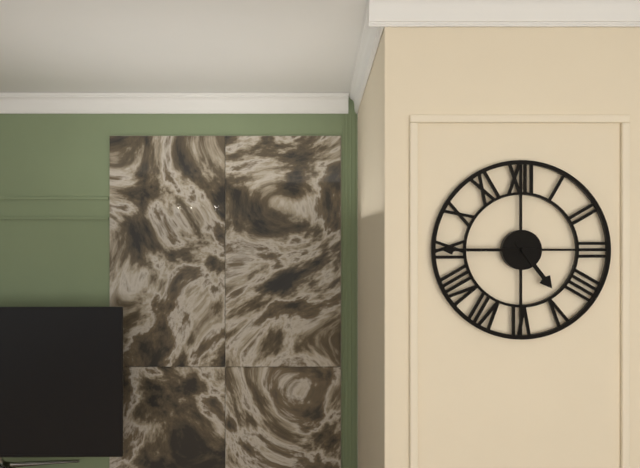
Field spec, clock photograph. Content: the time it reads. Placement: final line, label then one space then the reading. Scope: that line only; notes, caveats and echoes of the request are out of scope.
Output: 4:45
